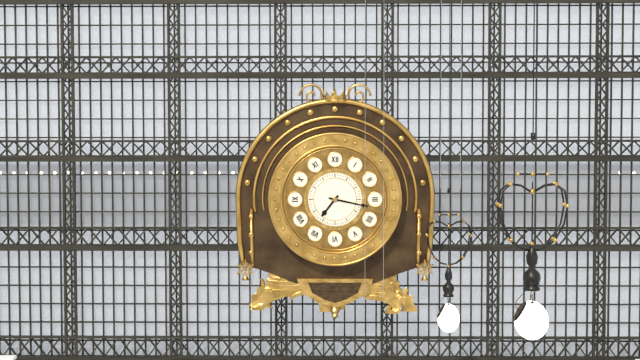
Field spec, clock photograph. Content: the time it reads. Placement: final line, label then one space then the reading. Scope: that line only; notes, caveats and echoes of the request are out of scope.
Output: 7:17
